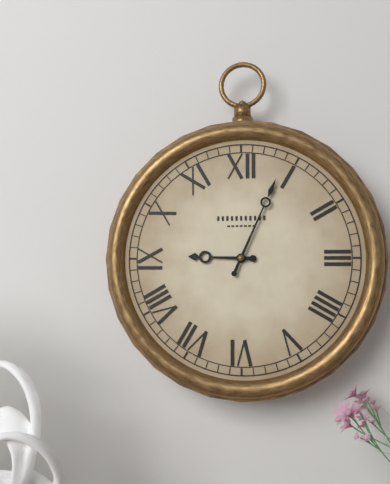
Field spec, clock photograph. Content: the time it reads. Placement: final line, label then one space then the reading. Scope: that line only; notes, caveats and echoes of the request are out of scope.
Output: 9:04
